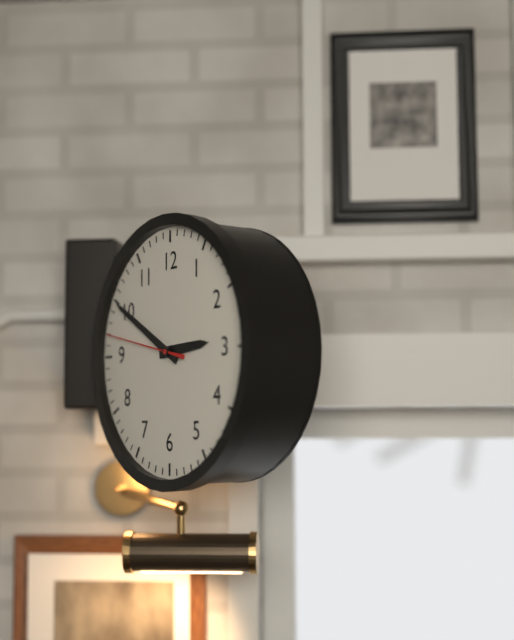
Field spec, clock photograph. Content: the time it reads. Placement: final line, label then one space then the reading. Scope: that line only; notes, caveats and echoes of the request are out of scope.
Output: 2:50:47
